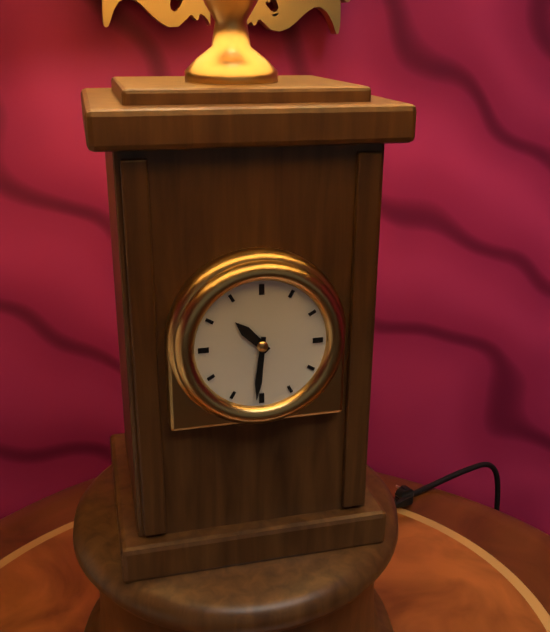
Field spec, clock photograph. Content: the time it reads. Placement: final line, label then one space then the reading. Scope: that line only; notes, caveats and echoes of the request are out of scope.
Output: 10:31
